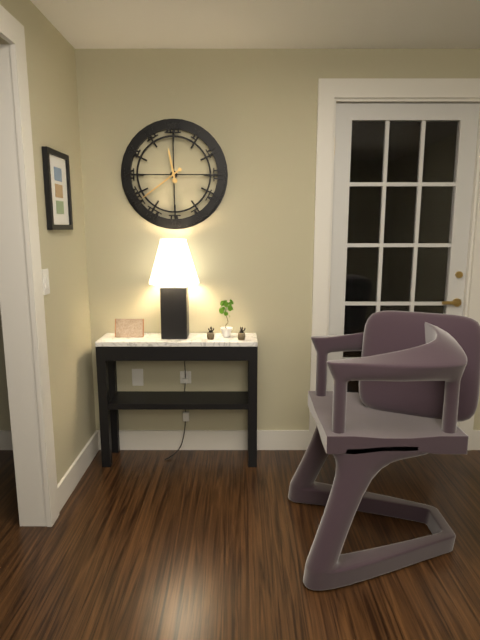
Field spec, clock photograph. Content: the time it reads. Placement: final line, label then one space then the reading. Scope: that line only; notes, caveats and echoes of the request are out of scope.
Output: 11:39
